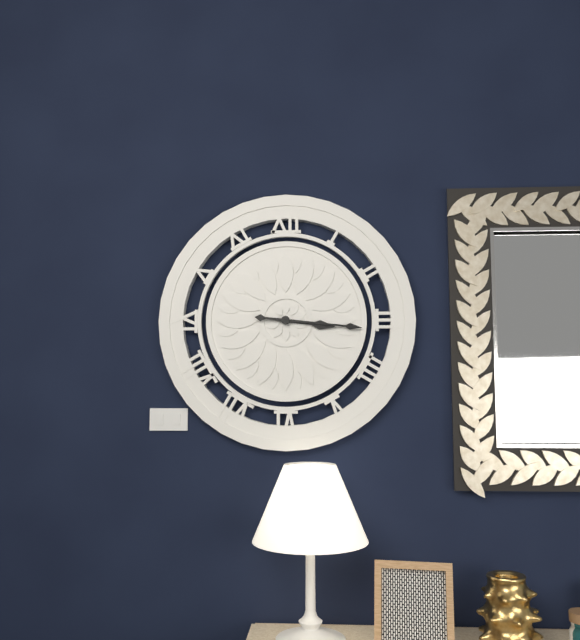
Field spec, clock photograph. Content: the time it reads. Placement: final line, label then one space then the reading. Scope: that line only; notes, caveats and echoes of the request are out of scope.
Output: 3:16
